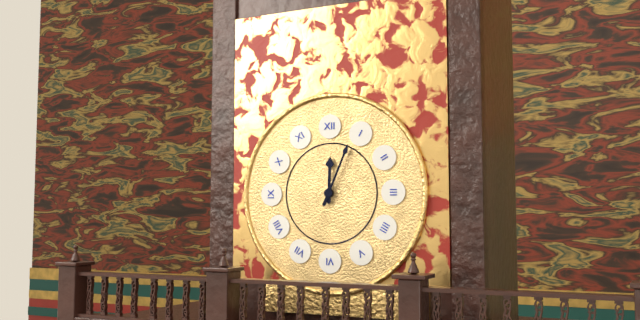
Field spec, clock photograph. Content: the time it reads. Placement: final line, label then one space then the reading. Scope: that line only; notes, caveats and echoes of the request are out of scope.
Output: 12:04
